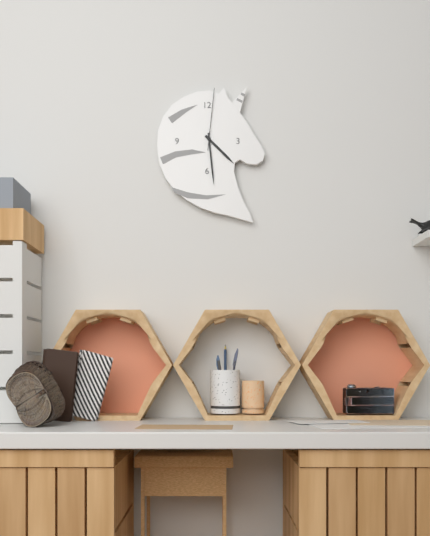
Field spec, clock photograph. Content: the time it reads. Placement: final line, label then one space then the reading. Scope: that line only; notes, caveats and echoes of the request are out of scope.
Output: 4:29:01
